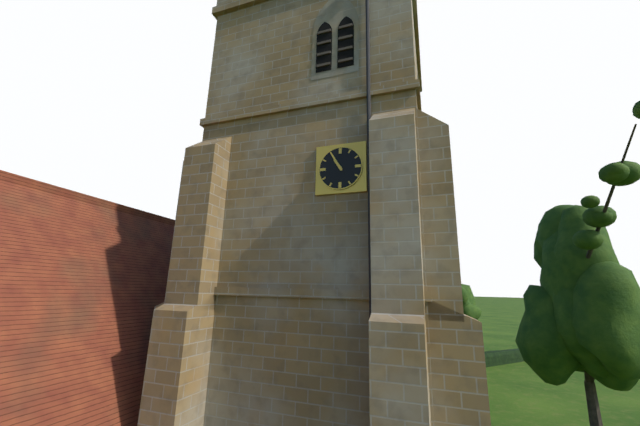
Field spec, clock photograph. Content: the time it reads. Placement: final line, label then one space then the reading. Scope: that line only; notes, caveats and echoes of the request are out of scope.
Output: 10:55
